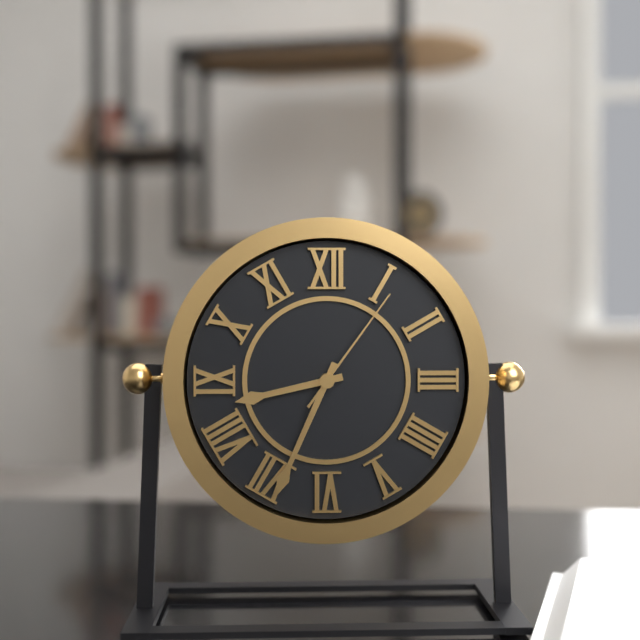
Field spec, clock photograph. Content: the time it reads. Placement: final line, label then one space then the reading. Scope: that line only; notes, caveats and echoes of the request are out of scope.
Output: 8:34:06
